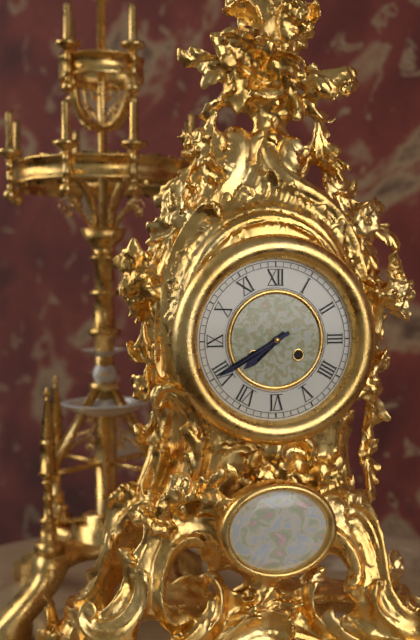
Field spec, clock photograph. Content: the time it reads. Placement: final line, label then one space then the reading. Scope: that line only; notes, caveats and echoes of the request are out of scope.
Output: 7:40
